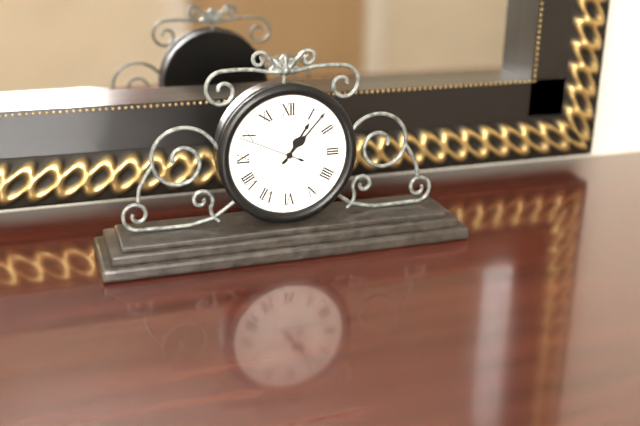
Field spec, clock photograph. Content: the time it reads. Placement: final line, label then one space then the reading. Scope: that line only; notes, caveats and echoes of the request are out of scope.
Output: 1:07:49
